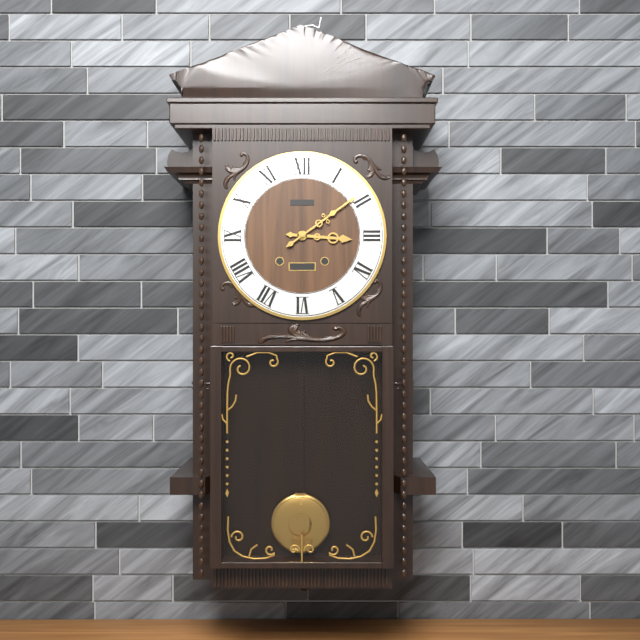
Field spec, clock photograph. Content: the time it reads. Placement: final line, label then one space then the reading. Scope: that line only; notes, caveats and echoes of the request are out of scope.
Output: 3:09
